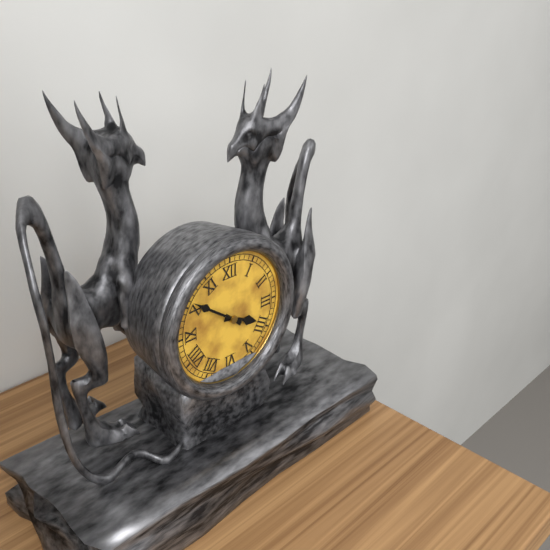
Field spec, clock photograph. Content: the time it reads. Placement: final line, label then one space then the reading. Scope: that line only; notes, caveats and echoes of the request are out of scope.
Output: 3:51
